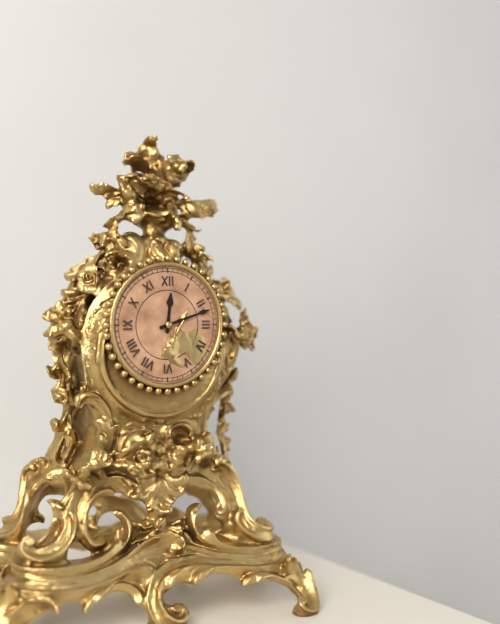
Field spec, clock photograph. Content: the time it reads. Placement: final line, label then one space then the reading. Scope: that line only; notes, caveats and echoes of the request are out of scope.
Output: 12:12
